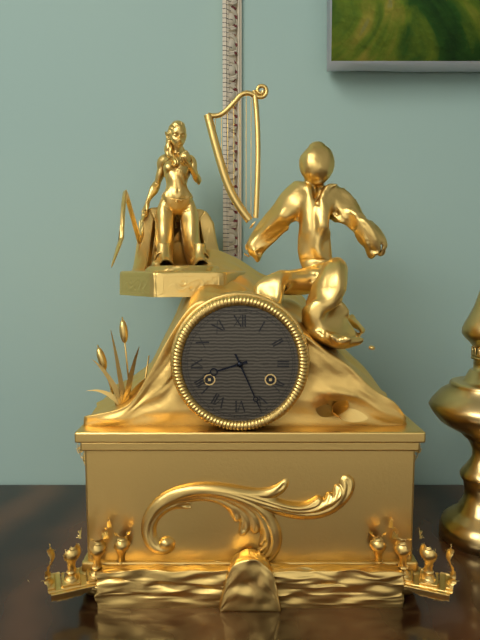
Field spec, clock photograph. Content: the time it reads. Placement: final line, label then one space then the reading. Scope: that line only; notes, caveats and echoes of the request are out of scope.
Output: 8:26
